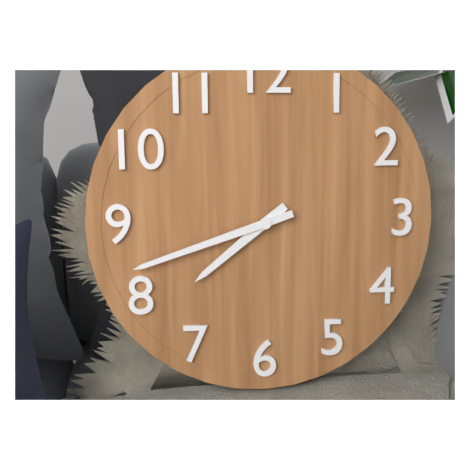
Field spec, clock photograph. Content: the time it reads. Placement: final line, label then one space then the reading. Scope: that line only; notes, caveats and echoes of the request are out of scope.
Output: 7:42
